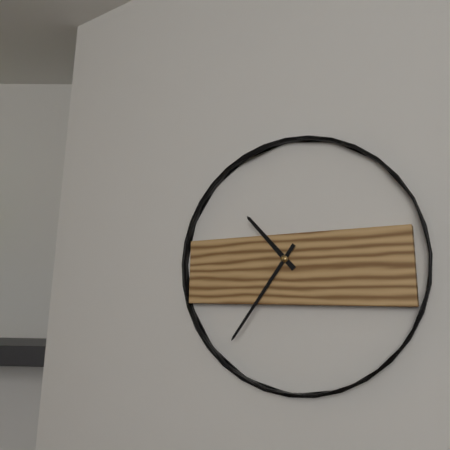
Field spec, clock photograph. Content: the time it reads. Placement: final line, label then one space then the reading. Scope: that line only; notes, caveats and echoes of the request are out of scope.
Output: 10:36
